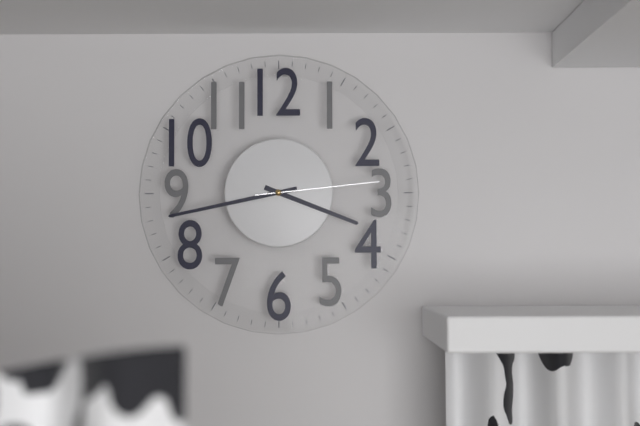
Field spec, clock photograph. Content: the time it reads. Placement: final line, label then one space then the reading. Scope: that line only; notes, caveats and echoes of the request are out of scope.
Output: 3:43:14
